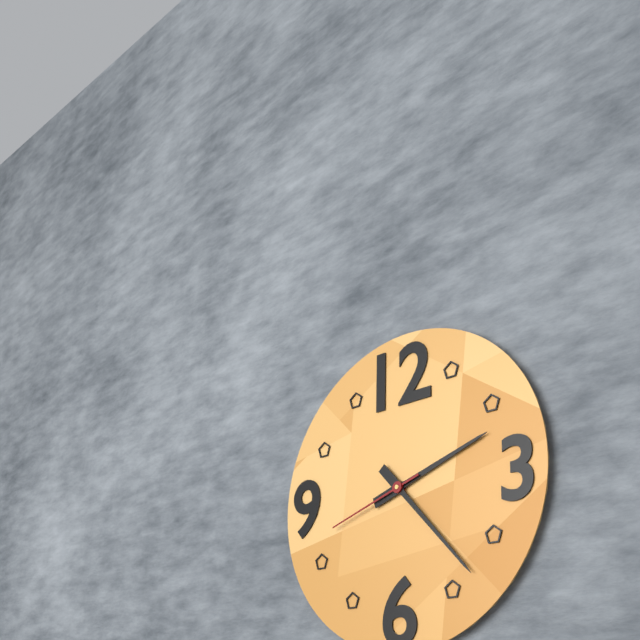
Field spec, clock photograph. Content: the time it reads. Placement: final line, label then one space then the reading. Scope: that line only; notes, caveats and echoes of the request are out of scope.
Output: 2:23:42
